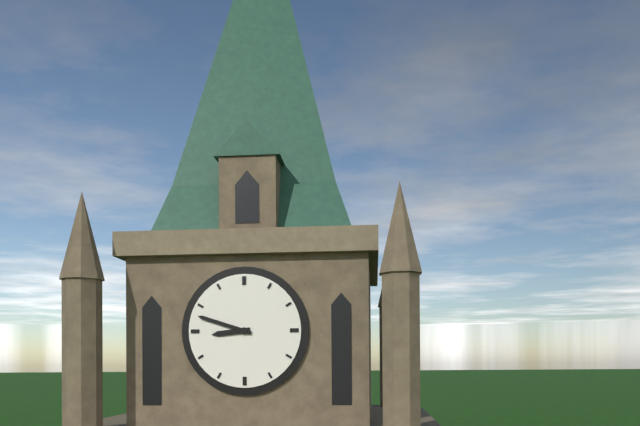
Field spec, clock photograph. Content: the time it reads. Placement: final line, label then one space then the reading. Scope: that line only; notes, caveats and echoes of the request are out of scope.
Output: 8:48
